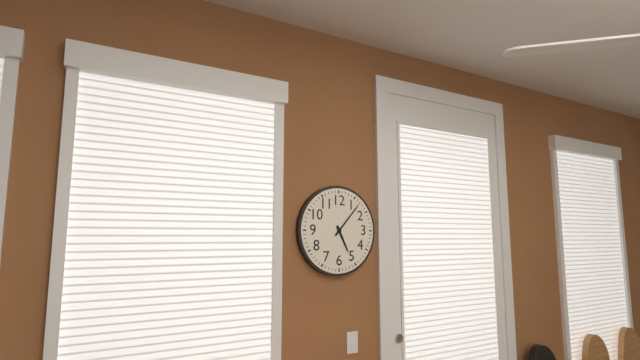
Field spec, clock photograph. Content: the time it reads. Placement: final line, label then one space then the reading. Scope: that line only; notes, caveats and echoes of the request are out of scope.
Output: 5:07
